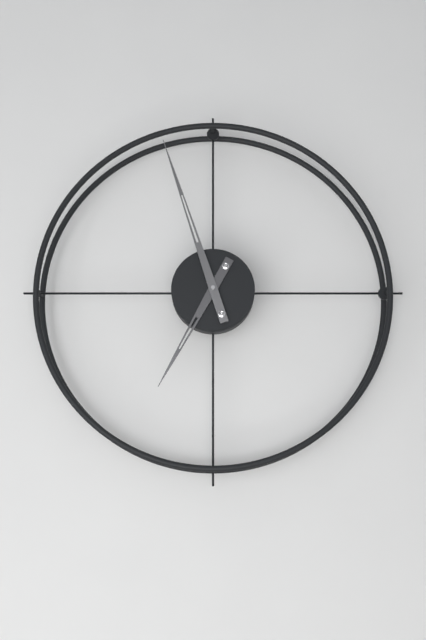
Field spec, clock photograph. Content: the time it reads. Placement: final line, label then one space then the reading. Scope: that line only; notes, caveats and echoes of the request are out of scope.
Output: 6:57
